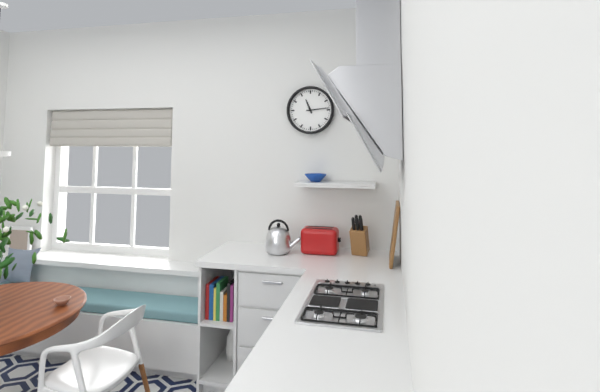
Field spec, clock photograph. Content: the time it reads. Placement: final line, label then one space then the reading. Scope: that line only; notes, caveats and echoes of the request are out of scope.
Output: 11:14
